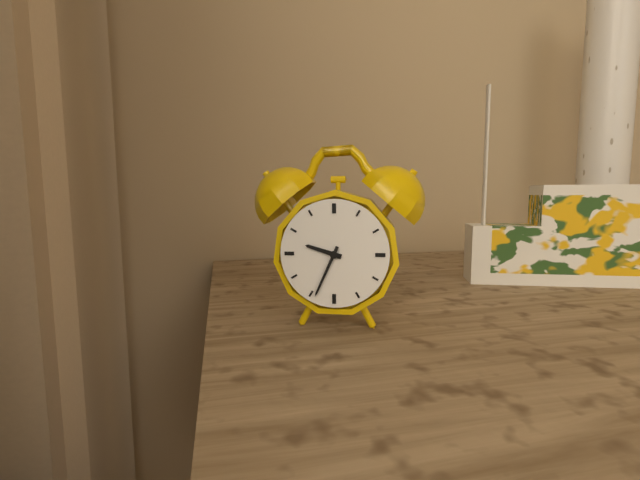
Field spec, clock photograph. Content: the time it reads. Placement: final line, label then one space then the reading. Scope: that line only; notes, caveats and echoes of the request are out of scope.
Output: 9:34
